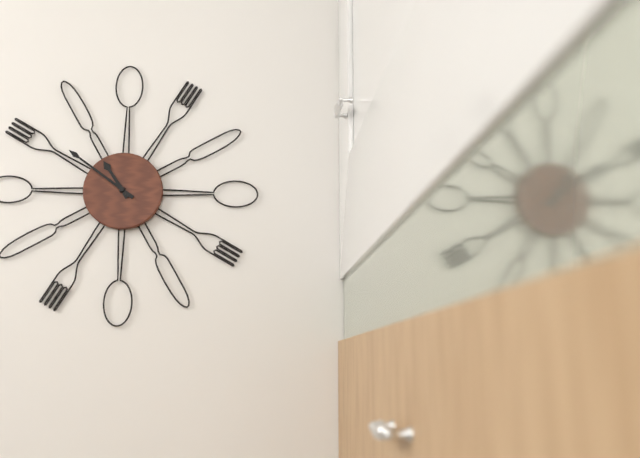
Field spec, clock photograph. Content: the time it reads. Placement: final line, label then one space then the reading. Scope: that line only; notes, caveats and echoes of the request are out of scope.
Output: 10:51
